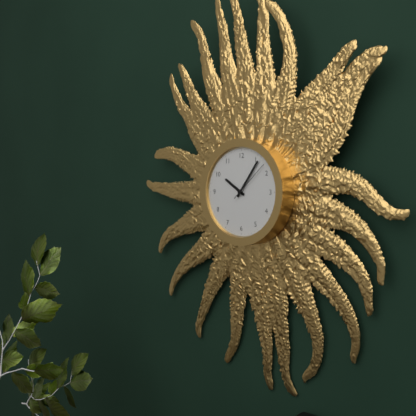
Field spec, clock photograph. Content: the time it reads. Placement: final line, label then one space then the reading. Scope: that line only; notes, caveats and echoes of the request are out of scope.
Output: 10:06
